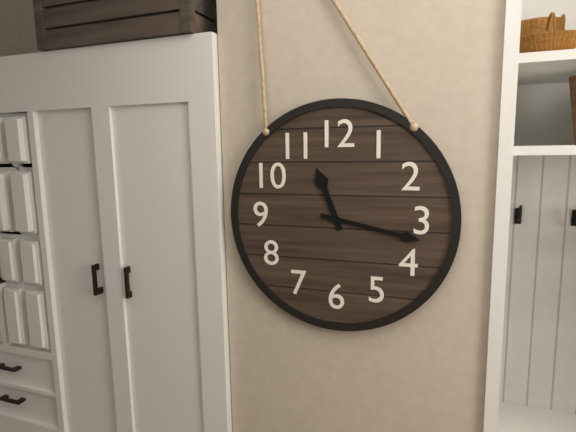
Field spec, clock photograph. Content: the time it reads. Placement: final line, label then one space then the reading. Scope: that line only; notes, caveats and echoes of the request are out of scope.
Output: 11:17
